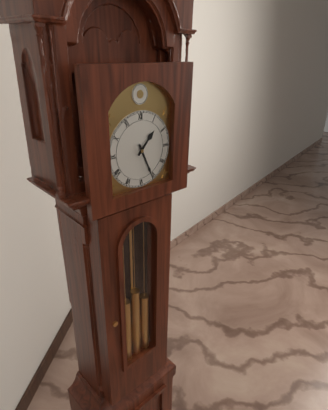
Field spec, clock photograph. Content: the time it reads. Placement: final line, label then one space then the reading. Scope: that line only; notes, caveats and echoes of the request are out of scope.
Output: 1:26
